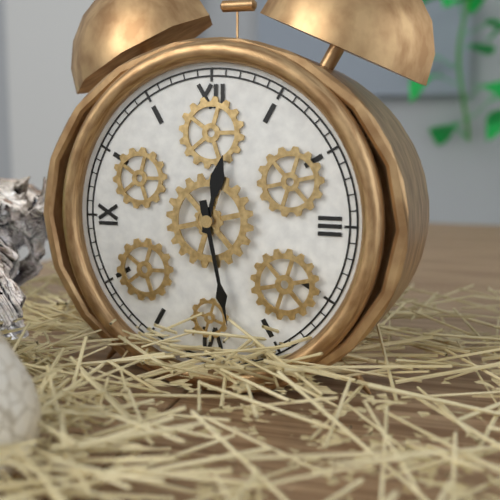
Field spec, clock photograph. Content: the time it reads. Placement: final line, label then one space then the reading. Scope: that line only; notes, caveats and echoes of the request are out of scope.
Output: 12:28
